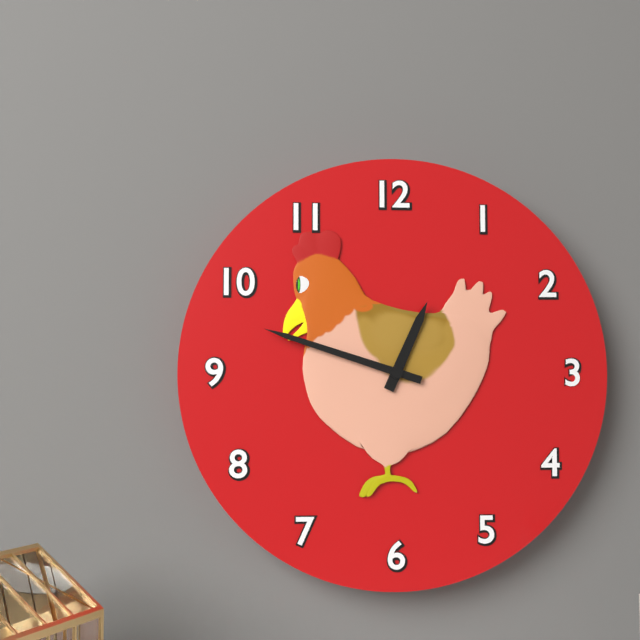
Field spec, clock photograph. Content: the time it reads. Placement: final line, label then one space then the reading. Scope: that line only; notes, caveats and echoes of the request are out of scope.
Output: 12:48
